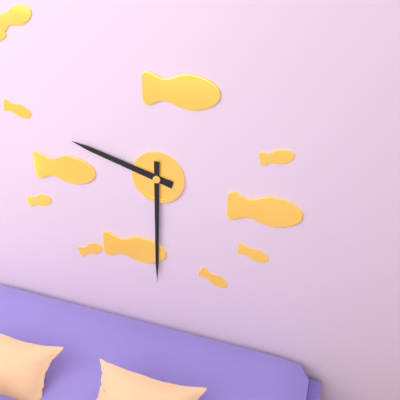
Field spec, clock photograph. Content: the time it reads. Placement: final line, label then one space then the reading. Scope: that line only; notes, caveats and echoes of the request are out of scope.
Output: 9:30
